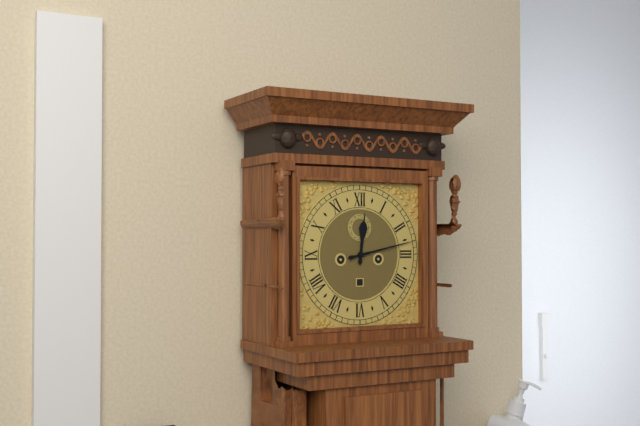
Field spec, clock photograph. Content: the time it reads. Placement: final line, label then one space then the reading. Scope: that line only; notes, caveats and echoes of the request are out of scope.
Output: 12:13
